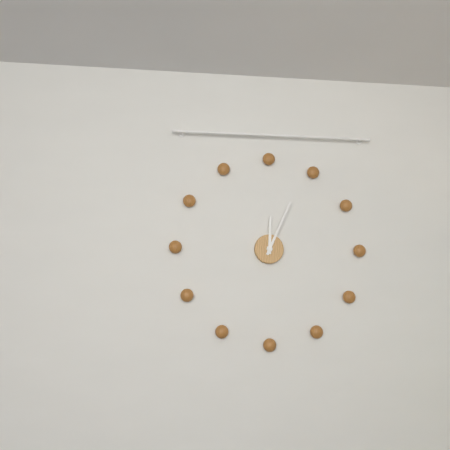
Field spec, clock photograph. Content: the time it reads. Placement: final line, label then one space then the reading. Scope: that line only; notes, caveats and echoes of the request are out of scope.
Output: 12:04
